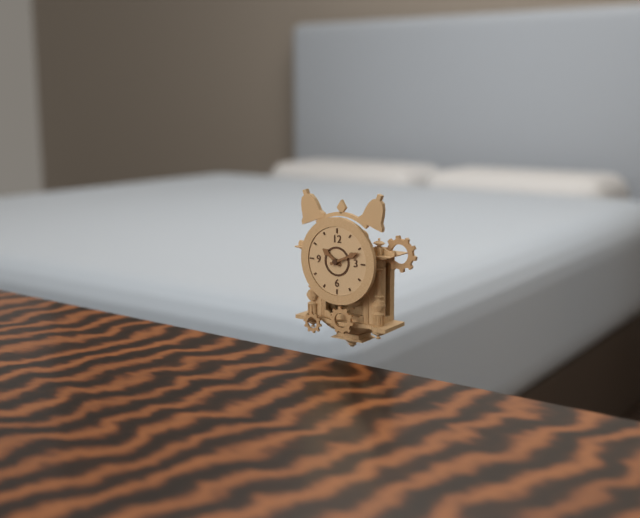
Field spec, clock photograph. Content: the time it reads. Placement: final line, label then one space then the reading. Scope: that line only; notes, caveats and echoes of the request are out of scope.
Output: 10:11
